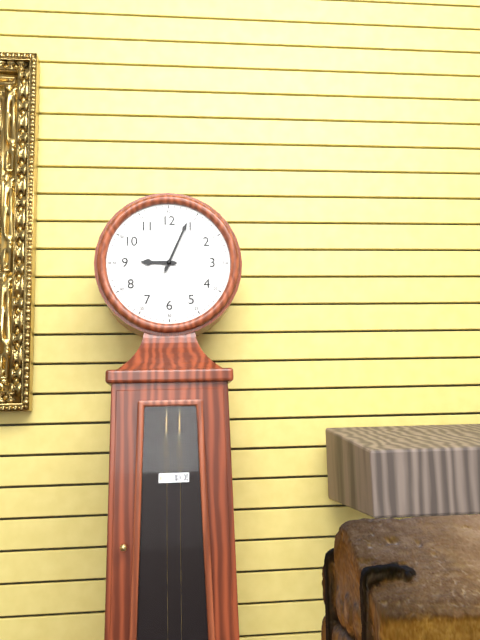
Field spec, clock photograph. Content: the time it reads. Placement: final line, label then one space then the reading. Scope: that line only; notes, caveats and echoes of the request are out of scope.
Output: 9:04
